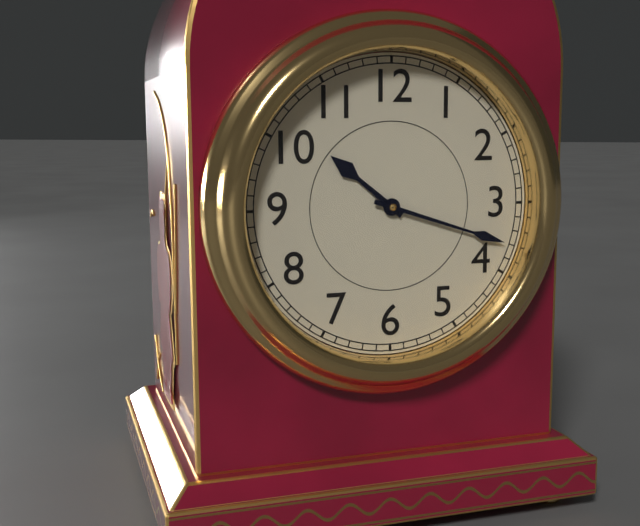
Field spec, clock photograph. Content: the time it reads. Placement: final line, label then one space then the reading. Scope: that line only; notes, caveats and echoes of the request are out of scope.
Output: 10:18
